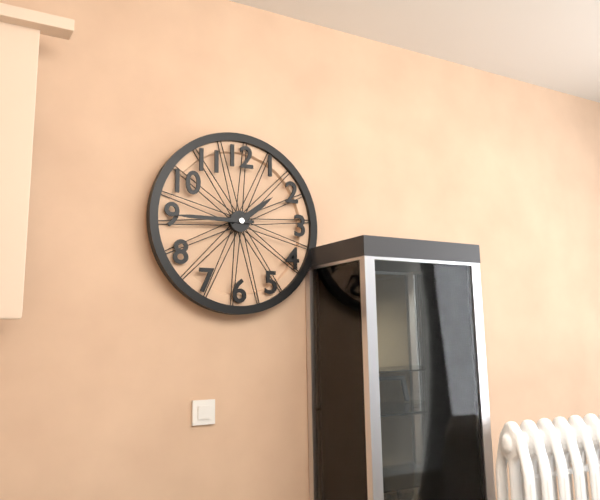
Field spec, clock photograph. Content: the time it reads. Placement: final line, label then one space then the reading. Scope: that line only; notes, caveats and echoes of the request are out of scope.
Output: 1:45
